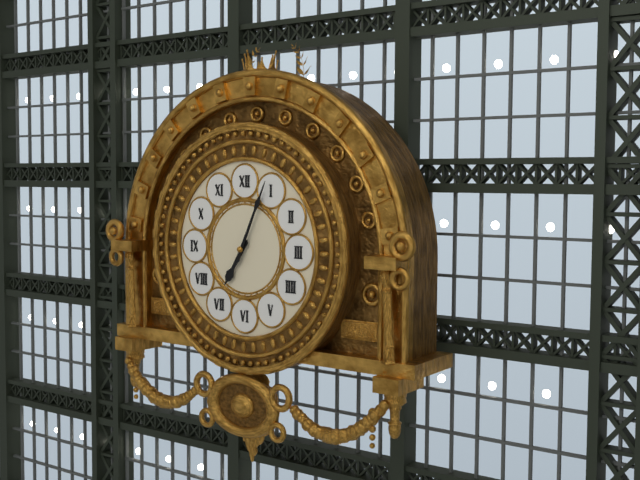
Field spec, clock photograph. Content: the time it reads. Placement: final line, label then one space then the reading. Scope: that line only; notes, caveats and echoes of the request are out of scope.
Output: 7:04
